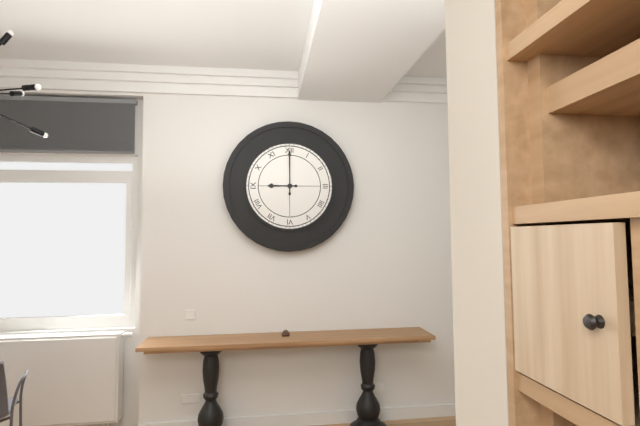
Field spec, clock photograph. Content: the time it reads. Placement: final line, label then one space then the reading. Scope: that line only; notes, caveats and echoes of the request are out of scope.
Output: 9:00
